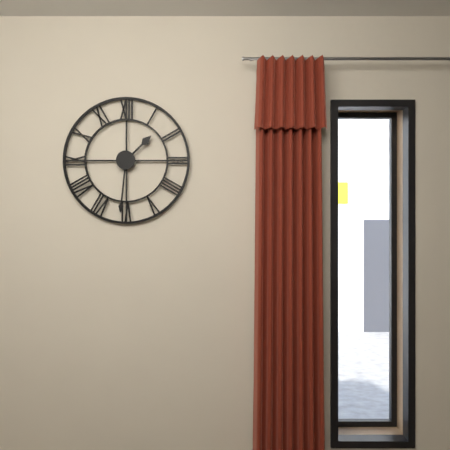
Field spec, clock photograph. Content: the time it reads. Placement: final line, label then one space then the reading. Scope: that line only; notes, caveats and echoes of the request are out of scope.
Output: 1:31
